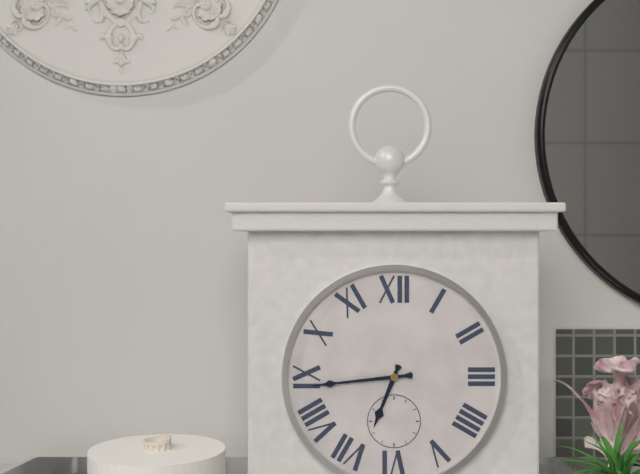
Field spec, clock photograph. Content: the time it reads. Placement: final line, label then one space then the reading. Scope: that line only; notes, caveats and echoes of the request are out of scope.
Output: 6:44
